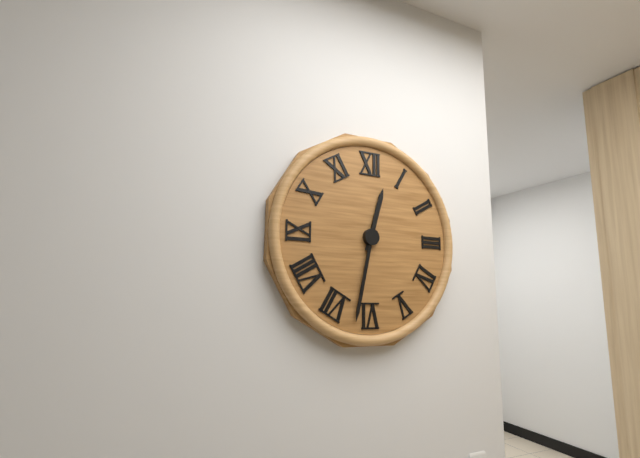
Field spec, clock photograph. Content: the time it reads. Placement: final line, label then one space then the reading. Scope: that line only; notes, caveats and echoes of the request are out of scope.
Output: 12:32
